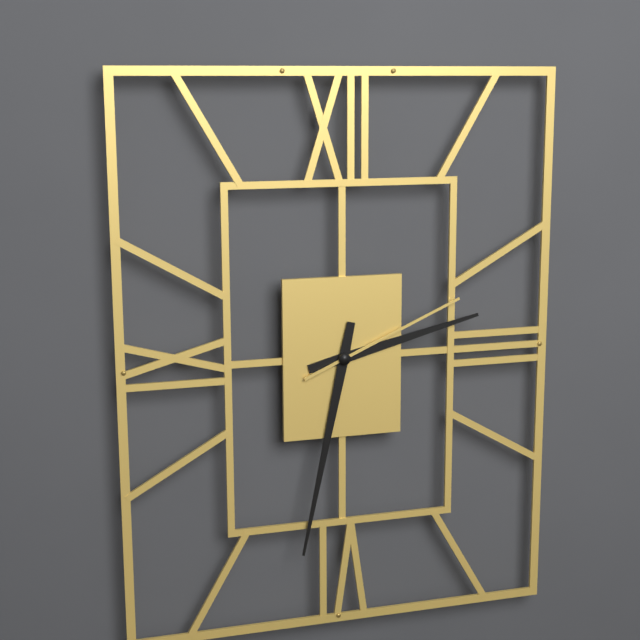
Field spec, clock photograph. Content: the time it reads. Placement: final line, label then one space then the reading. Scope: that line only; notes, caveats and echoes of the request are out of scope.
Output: 2:32:11
